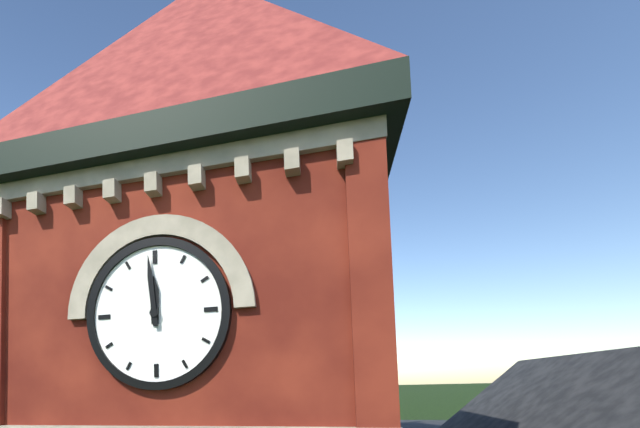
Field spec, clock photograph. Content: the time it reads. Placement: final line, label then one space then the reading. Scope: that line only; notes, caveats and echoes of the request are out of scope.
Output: 11:59
